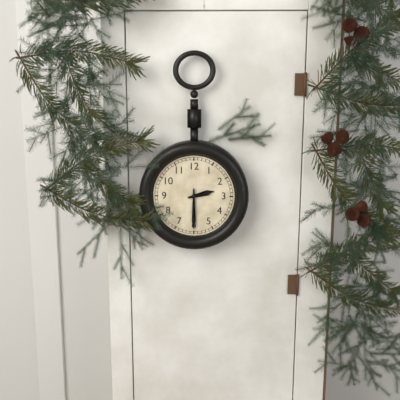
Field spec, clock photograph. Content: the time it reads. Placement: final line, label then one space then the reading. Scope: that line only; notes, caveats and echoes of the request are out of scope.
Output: 2:30
